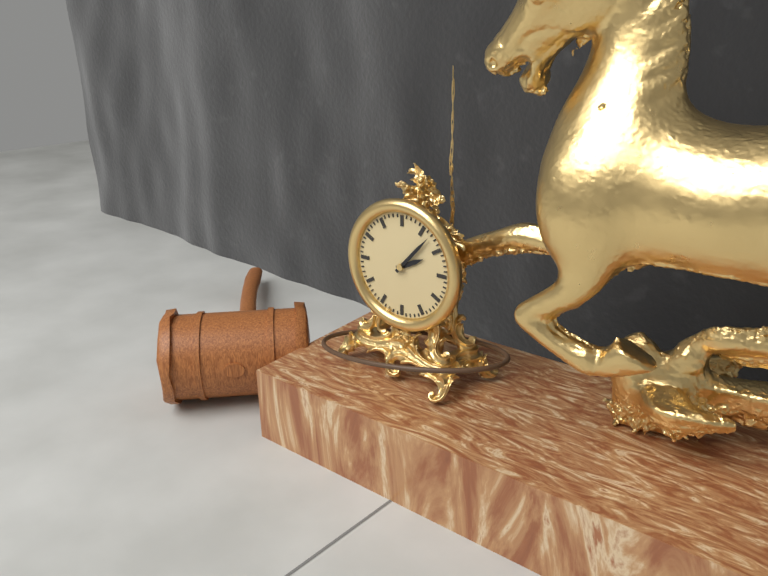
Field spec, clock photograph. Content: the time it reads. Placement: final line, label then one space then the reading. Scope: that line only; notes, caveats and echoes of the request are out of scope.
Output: 2:07
